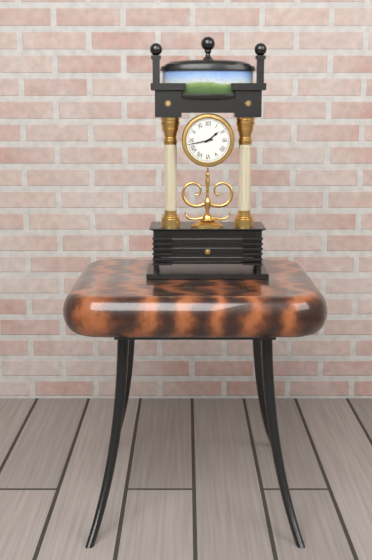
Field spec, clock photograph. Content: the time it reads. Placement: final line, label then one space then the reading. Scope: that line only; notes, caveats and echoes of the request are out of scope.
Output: 1:43
